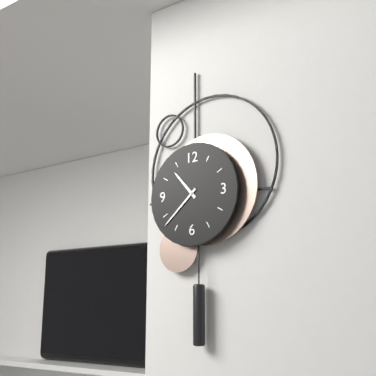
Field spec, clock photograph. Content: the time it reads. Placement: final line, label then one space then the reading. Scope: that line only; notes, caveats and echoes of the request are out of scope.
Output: 10:38
